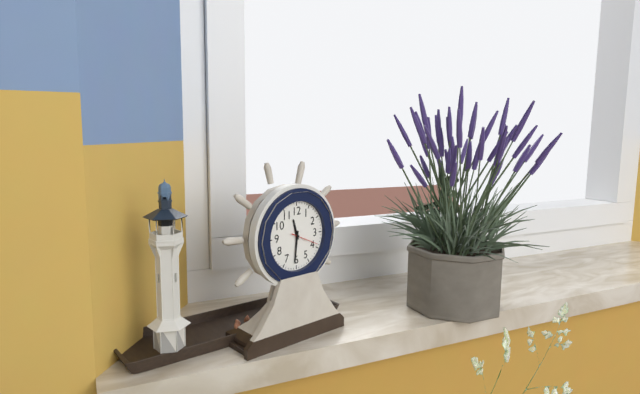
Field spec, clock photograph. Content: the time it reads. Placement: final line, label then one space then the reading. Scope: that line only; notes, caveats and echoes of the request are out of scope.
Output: 11:31
